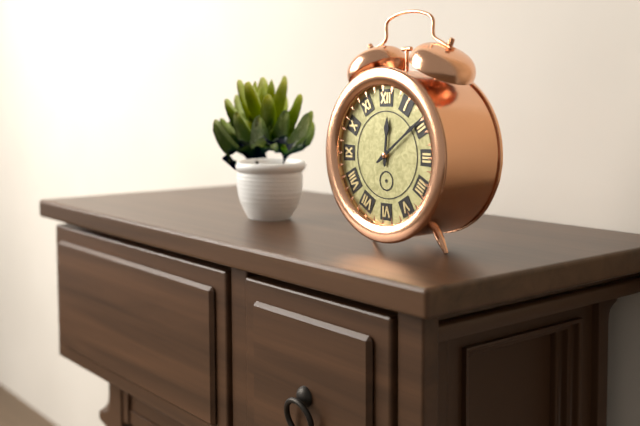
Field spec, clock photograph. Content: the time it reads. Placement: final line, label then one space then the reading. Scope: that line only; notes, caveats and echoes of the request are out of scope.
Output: 12:09
